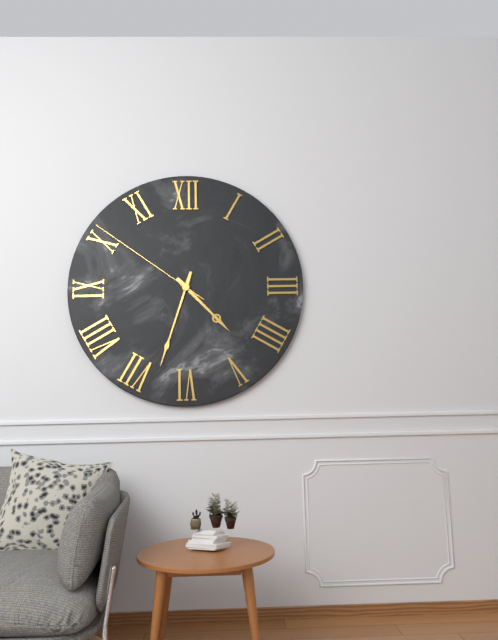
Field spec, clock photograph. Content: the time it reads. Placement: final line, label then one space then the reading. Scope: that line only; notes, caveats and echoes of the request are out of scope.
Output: 4:33:51
